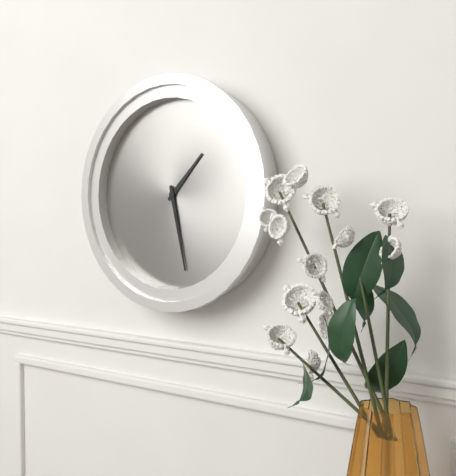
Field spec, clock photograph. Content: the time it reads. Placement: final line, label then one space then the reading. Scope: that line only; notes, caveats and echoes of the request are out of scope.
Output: 1:28
